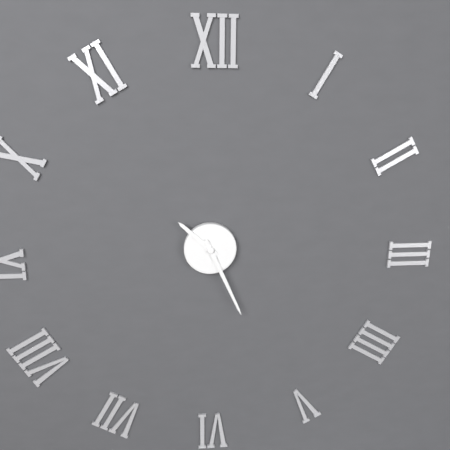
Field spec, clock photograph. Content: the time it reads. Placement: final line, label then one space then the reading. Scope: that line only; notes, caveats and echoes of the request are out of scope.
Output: 10:26
